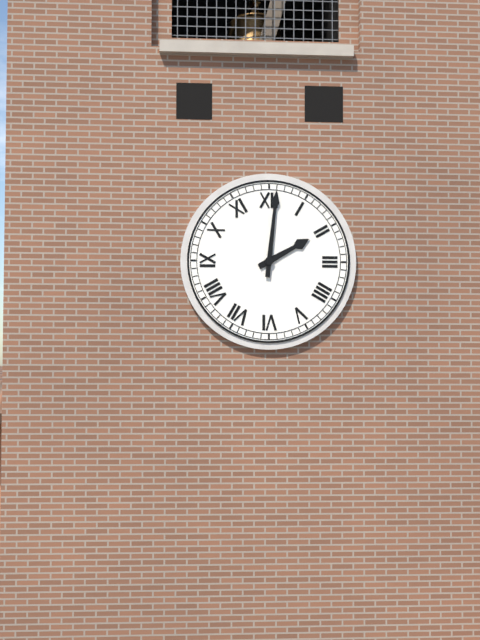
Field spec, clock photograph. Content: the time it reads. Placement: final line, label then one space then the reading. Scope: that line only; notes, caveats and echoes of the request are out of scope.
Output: 2:01
